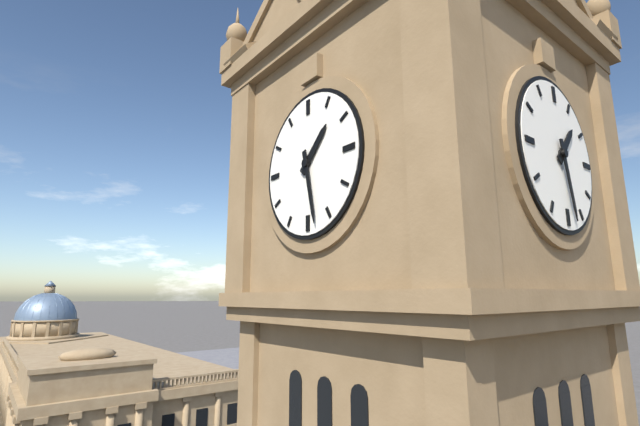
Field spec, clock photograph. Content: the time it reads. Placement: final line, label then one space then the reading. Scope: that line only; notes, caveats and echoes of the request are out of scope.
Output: 1:28
